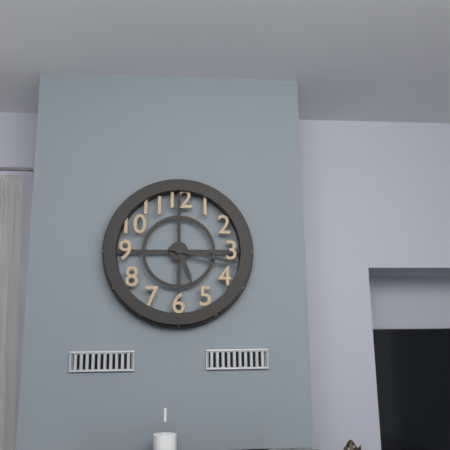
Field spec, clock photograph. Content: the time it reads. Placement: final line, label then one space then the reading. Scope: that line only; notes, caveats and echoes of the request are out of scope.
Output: 5:17
